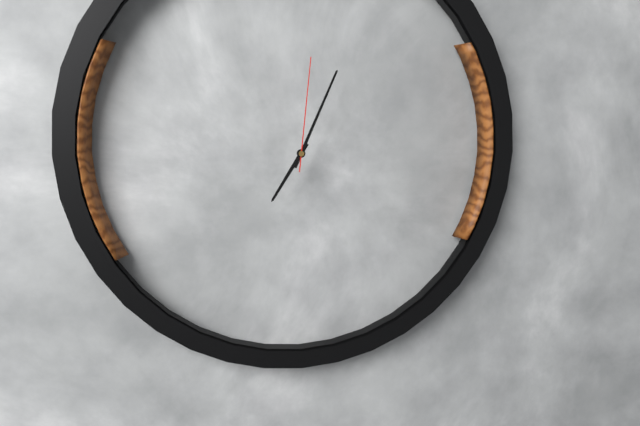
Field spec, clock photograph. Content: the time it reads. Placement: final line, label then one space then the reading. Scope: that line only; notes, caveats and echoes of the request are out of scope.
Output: 7:04:01
